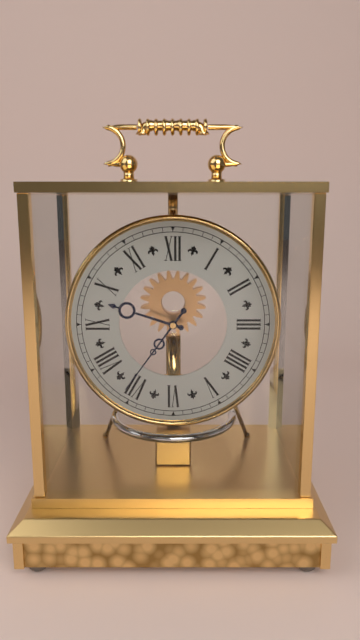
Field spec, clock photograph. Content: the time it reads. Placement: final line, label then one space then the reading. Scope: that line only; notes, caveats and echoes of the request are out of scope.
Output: 9:36
